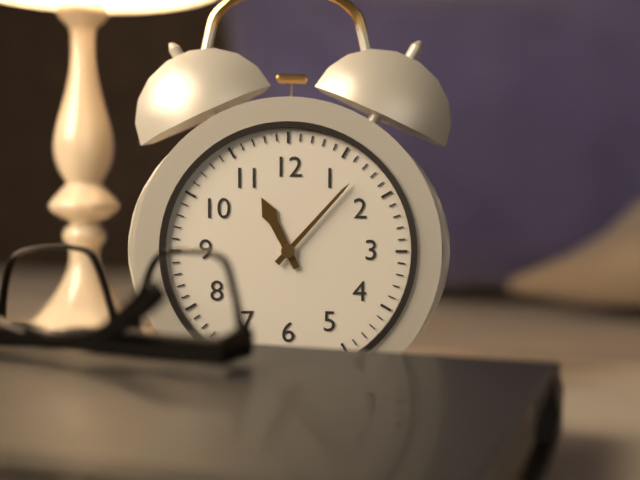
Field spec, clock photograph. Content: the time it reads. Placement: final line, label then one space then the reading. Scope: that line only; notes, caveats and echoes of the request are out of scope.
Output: 11:07
